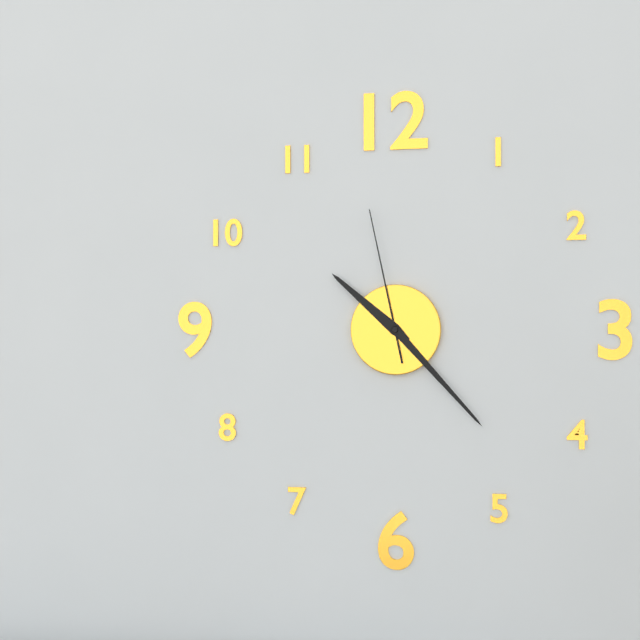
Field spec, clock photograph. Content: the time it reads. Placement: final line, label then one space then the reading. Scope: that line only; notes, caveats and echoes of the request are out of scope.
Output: 10:23:58
